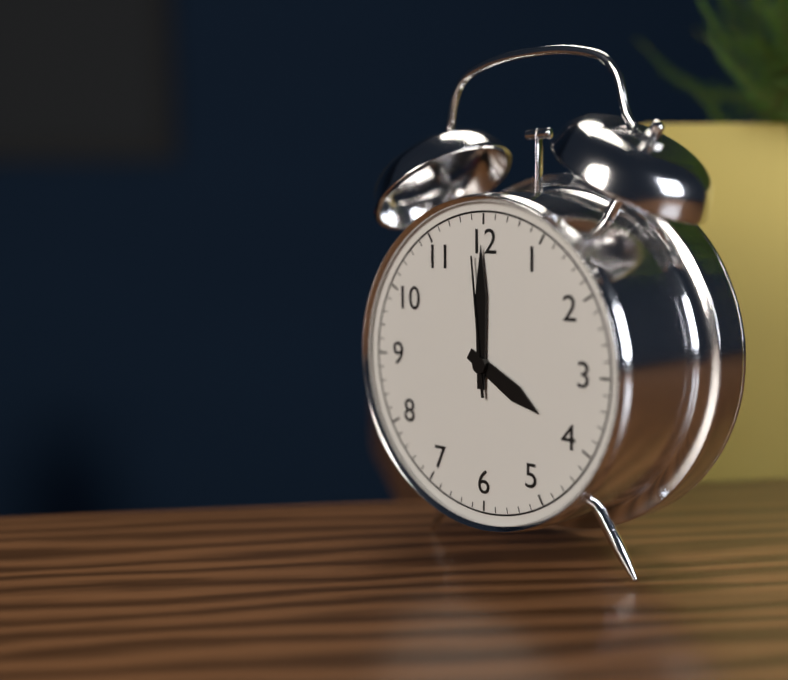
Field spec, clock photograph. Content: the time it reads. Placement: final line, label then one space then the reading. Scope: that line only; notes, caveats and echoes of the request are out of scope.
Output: 4:00:59
